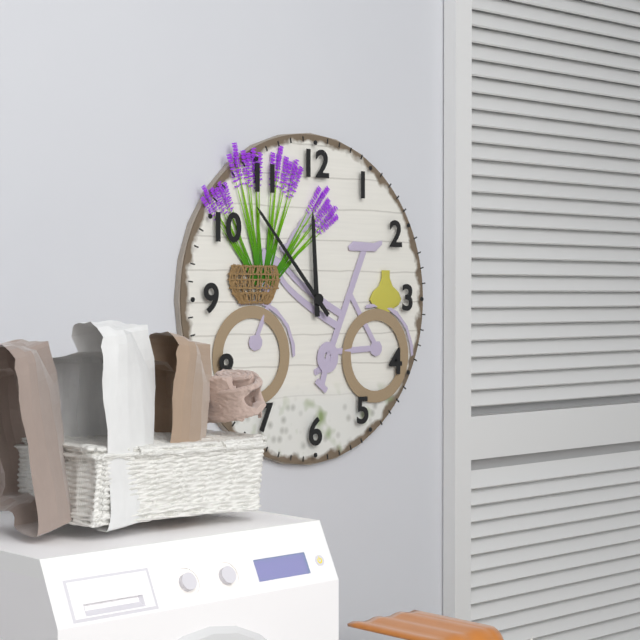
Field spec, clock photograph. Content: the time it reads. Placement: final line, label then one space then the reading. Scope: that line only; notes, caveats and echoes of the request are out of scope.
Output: 11:53
